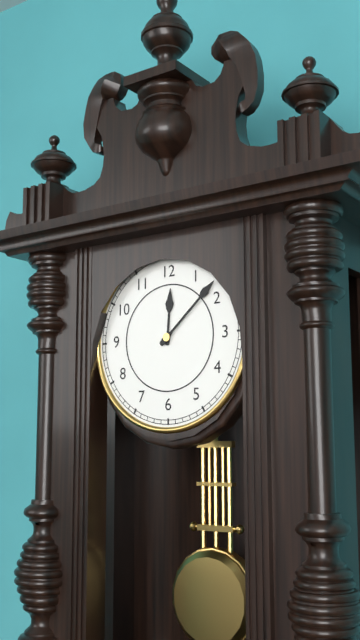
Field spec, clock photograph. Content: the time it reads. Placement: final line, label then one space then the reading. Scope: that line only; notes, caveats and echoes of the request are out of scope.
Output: 12:08
